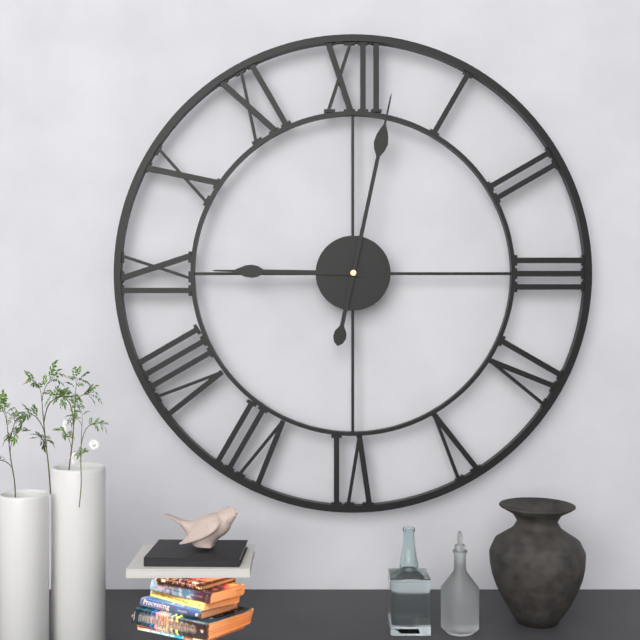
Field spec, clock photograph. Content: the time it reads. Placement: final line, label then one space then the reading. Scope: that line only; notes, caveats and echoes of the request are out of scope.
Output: 9:02
